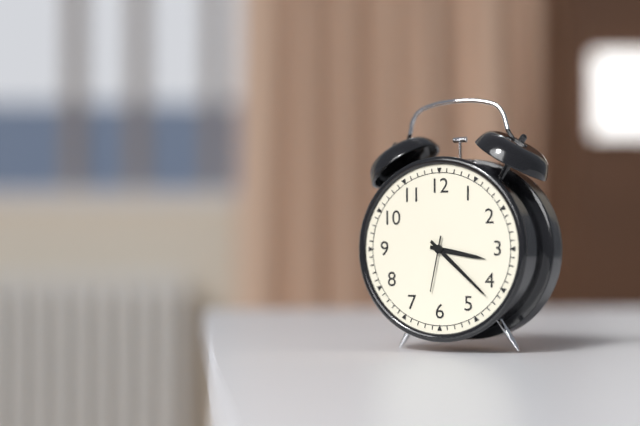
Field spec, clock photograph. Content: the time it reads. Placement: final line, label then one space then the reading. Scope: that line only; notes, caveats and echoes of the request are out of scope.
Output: 3:22:32
